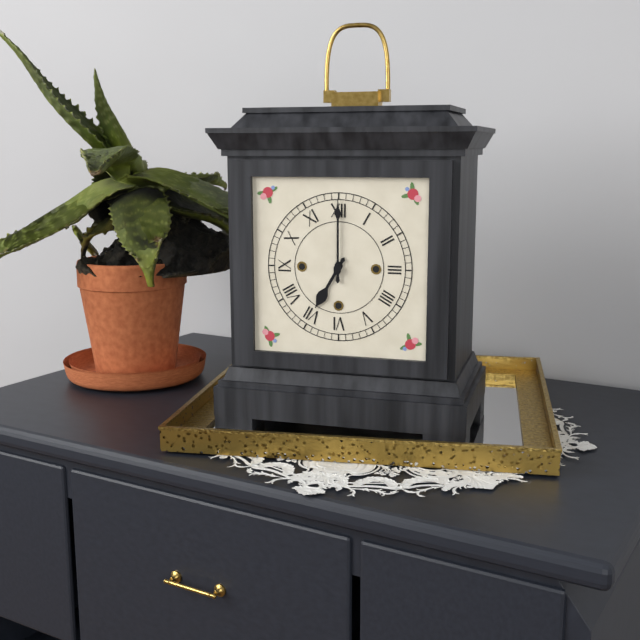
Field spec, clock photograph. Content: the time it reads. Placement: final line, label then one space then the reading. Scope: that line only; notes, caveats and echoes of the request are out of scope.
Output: 7:00
